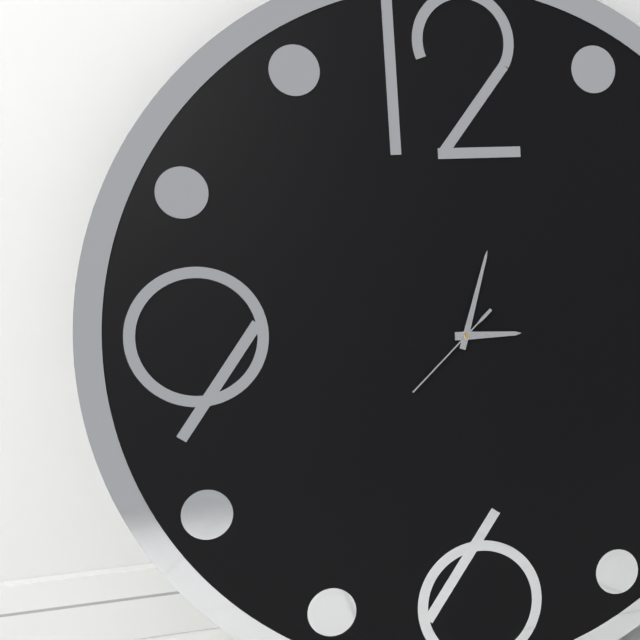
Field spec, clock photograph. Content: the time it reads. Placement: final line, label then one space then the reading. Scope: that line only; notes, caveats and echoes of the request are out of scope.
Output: 3:03:38
